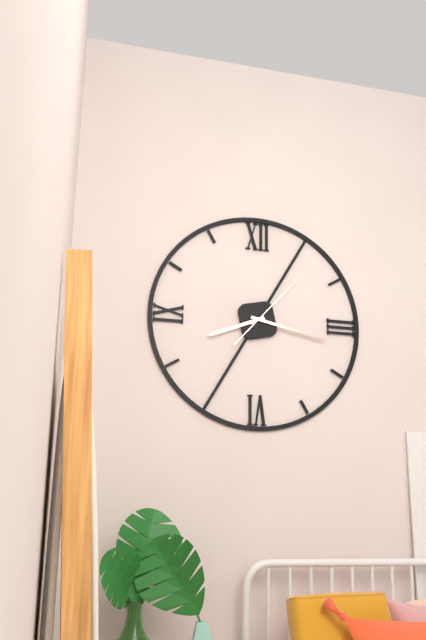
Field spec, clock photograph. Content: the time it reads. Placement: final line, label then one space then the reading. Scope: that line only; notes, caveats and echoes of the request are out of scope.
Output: 8:17:07
